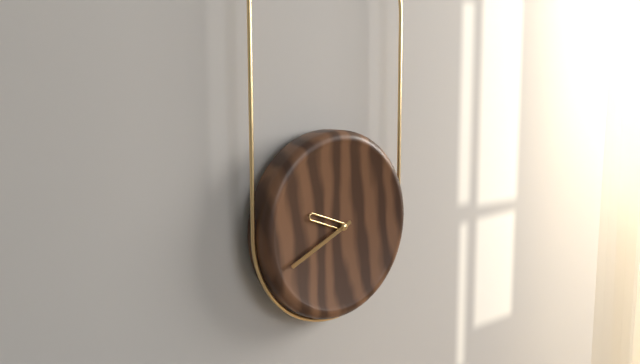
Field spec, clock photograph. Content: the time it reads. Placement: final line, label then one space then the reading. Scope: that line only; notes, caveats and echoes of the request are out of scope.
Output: 9:41
